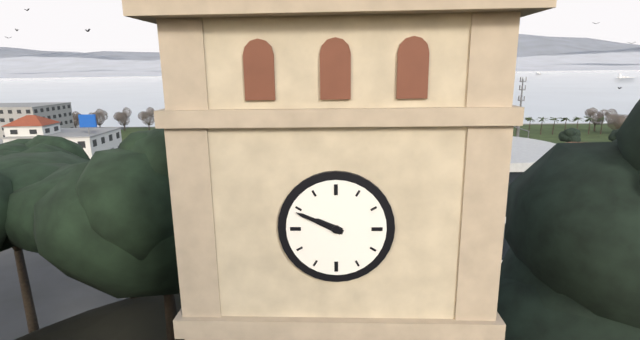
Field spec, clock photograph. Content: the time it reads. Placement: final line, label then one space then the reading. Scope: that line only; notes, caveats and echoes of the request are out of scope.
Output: 9:49
